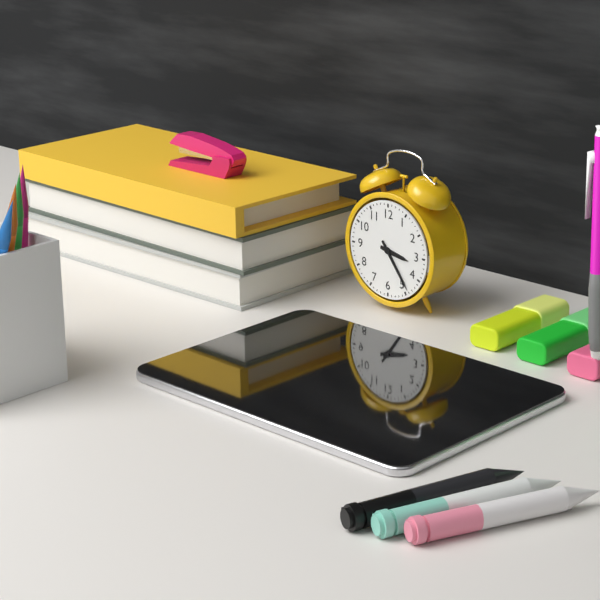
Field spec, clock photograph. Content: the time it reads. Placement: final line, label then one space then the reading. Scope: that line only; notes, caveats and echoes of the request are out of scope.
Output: 3:24
